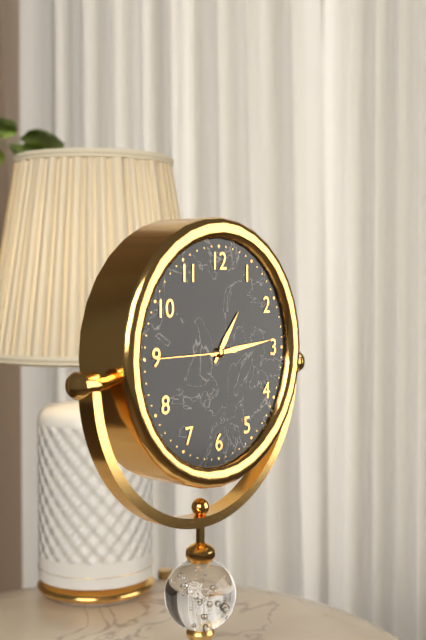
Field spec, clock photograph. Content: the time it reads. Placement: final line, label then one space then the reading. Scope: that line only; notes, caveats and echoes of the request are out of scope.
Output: 1:14:45
